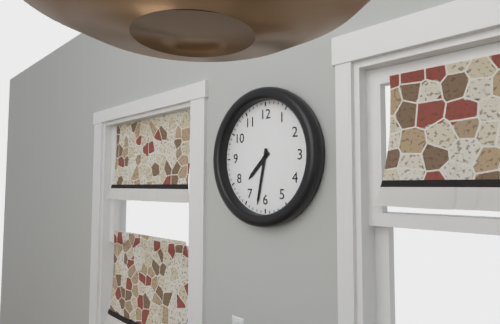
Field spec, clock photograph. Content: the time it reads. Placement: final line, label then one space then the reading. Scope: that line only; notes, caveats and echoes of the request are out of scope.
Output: 7:32
